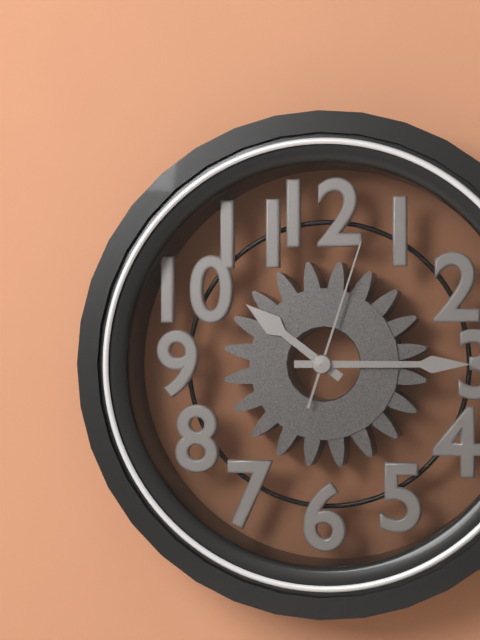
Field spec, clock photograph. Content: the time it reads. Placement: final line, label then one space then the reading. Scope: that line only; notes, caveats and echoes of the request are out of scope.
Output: 10:15:03
